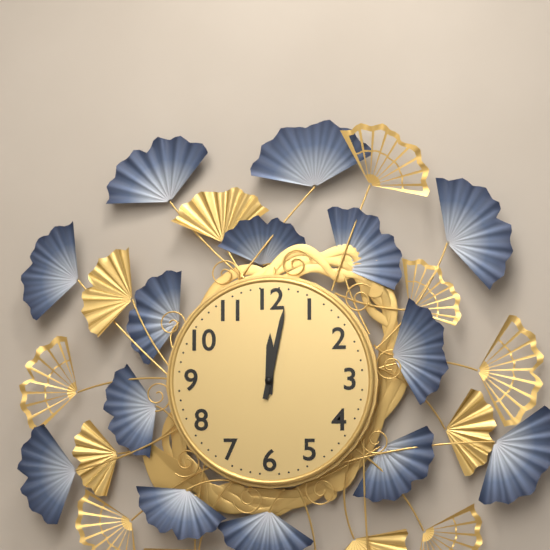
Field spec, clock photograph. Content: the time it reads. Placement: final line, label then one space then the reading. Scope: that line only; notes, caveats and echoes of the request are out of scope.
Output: 12:02
